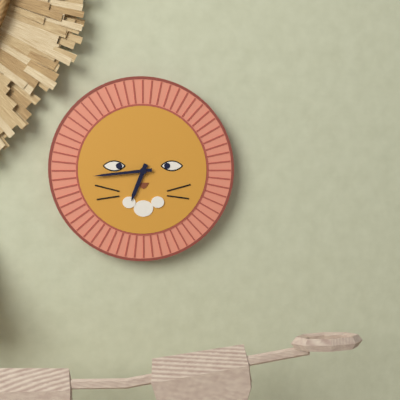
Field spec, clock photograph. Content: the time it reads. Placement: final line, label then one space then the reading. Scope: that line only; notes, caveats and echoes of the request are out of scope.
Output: 6:44
